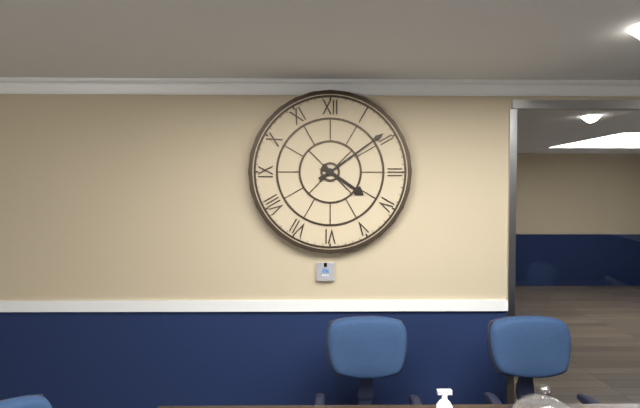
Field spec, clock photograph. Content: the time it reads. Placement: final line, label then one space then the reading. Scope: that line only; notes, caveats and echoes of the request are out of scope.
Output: 4:09
